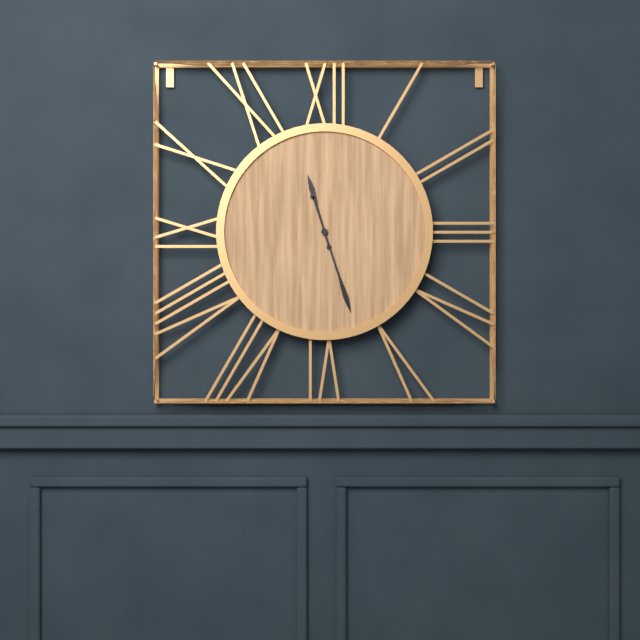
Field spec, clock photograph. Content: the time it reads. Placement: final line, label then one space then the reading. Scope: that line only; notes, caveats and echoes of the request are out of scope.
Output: 11:27
